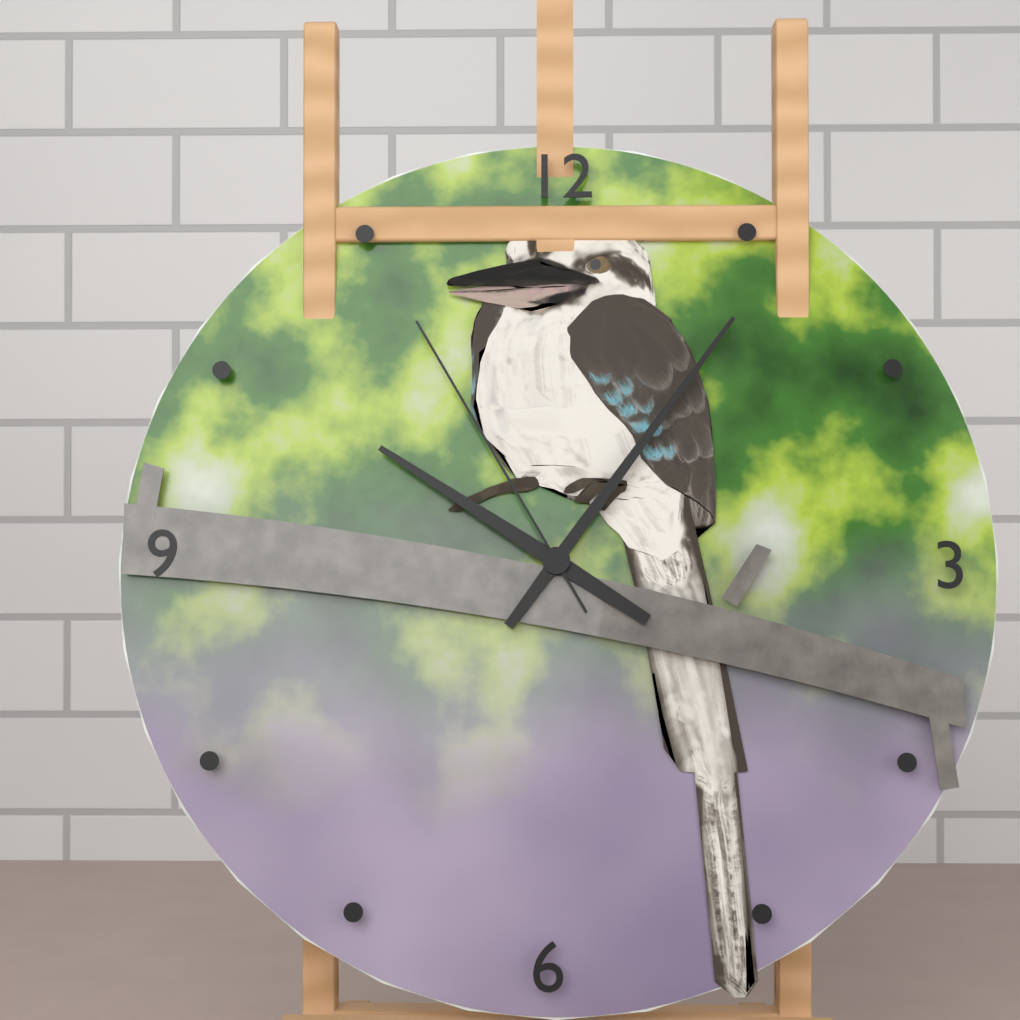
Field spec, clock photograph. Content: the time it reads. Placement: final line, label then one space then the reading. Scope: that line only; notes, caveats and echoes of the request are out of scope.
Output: 10:06:55
